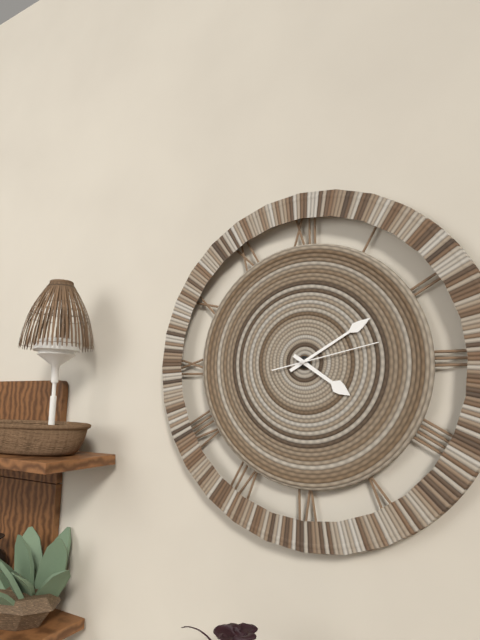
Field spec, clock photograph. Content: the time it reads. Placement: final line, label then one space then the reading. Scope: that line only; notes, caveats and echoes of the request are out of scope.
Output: 4:10:13
